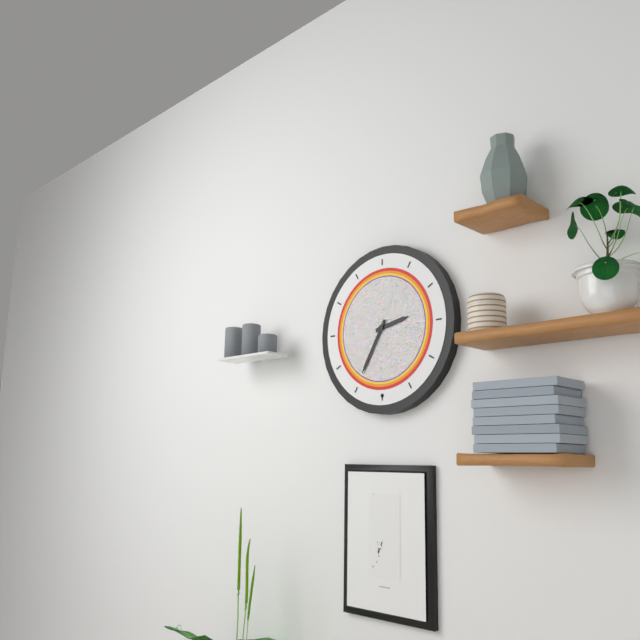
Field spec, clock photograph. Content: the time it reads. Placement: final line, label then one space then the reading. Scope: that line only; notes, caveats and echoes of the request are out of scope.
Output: 2:35
